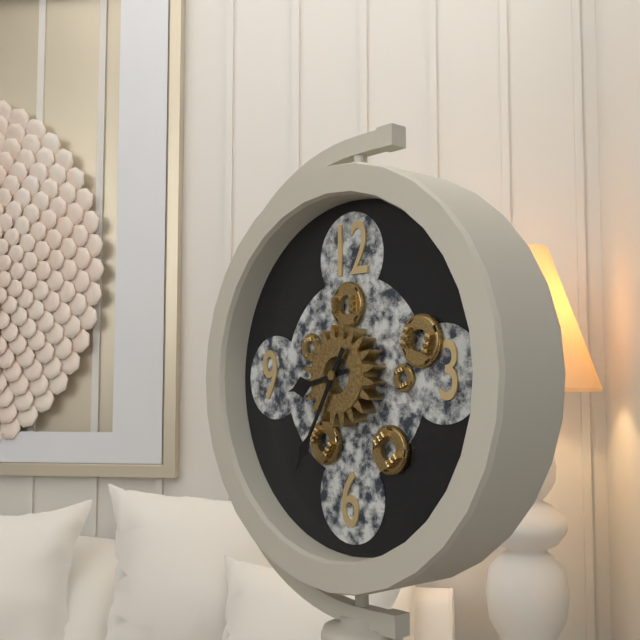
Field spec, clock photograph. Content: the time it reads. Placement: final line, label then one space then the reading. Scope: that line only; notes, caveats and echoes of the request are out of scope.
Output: 8:35
